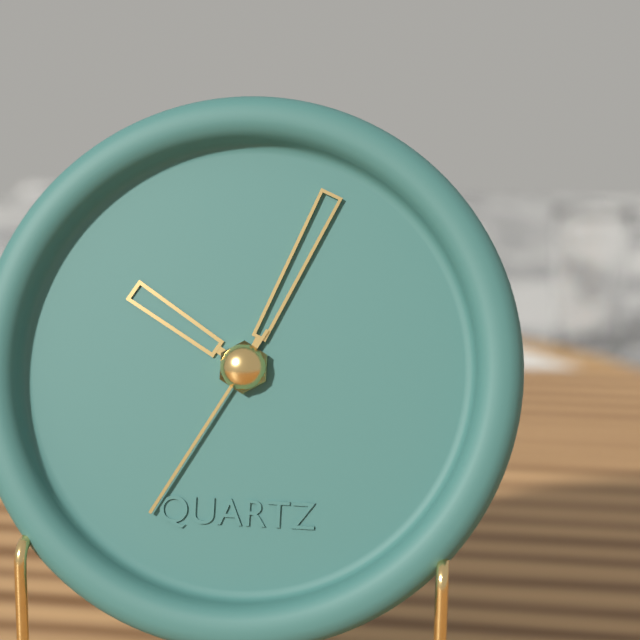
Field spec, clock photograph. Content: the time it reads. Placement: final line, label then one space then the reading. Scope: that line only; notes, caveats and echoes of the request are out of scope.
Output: 10:04:35
